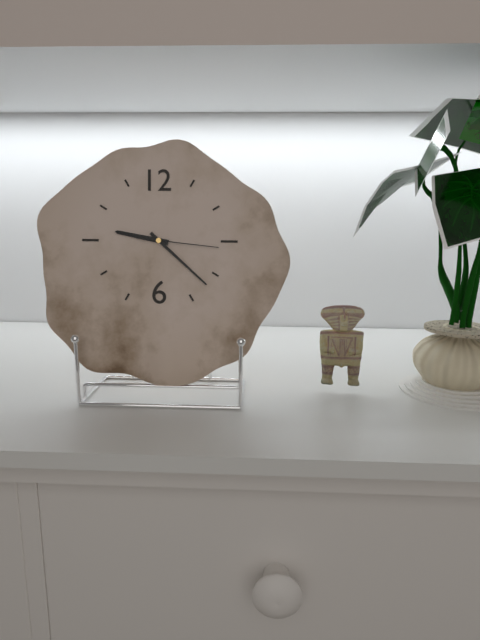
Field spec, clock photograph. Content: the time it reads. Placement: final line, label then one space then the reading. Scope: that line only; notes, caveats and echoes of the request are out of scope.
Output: 9:22:16
